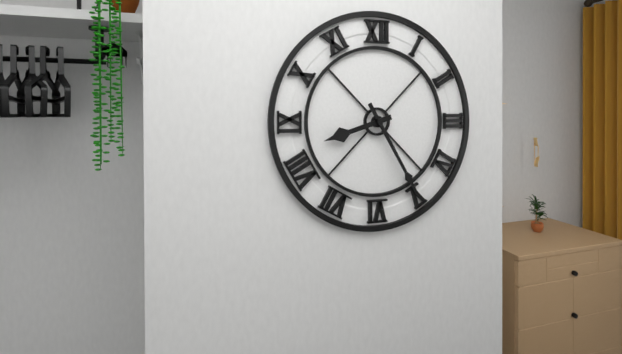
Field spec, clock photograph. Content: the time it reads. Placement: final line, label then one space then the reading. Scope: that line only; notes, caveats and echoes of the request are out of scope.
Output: 8:25
